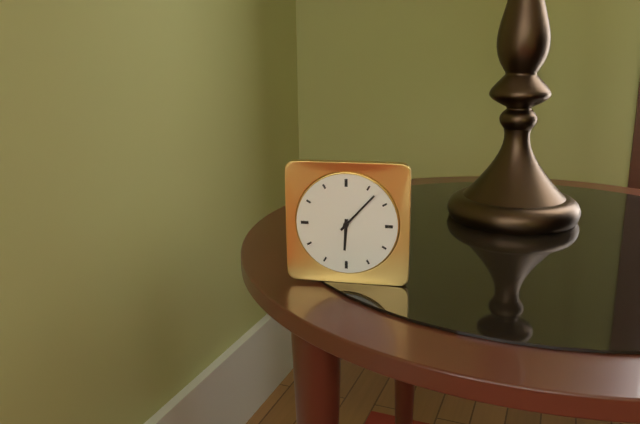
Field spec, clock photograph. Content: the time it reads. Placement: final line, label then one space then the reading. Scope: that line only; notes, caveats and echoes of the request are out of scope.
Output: 6:07
